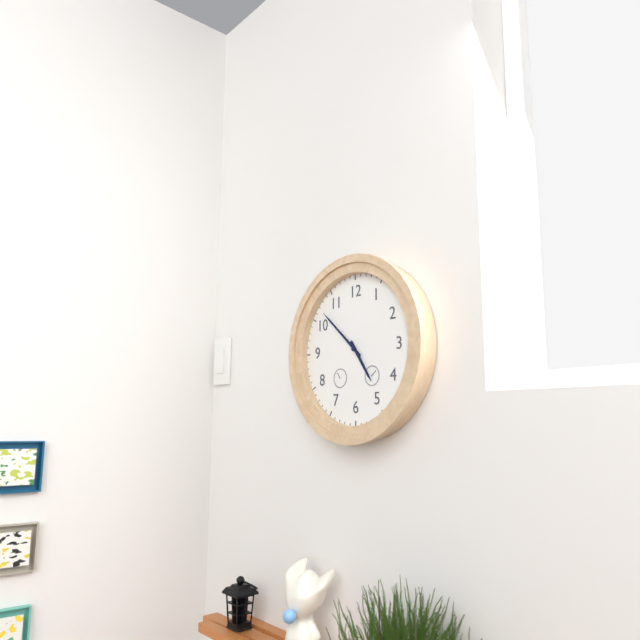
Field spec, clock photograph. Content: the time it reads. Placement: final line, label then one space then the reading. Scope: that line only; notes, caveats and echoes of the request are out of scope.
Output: 4:52
